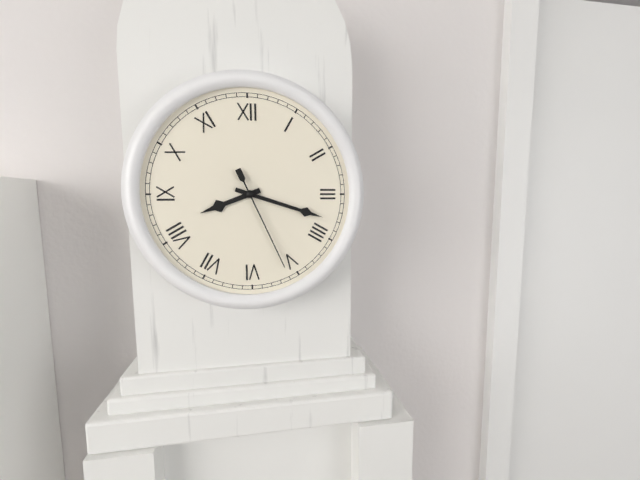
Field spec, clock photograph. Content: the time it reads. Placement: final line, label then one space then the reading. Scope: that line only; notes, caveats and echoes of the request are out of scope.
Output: 8:18:26
